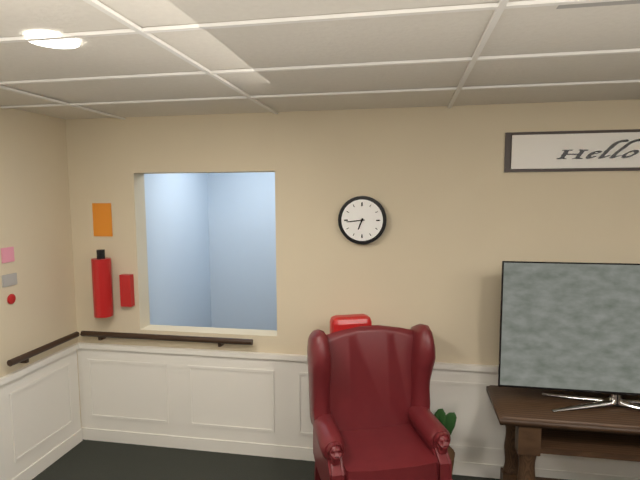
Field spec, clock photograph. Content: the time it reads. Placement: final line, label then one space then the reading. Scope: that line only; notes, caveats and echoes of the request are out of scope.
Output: 6:44
